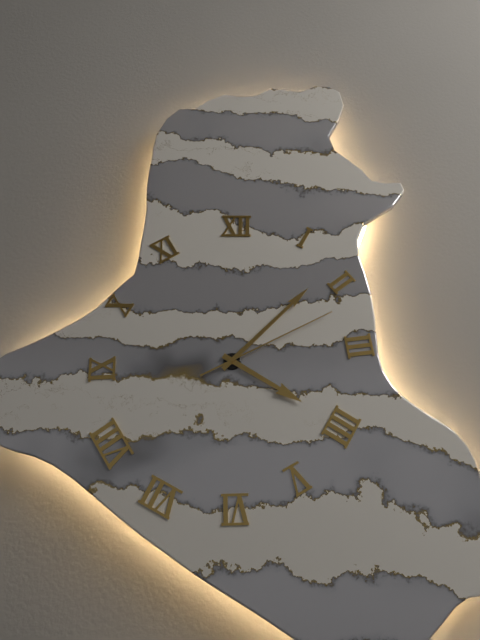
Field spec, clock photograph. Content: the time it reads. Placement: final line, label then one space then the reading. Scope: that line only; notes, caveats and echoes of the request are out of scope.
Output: 4:08:11
